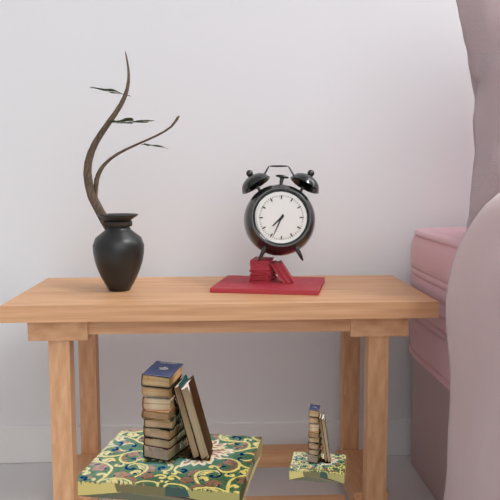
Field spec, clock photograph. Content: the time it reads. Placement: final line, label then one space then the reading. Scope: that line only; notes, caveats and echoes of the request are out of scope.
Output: 7:34
